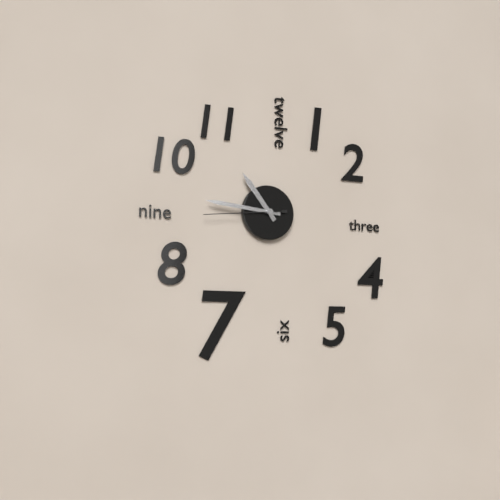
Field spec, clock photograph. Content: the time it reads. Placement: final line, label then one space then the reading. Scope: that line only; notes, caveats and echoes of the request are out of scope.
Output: 10:46:44
